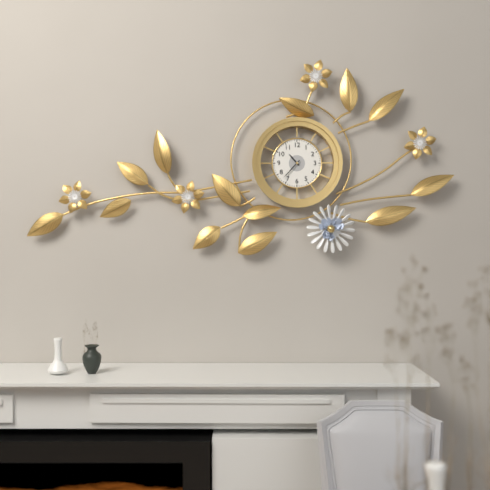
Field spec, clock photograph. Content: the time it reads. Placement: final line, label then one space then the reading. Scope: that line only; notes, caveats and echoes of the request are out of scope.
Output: 10:37
